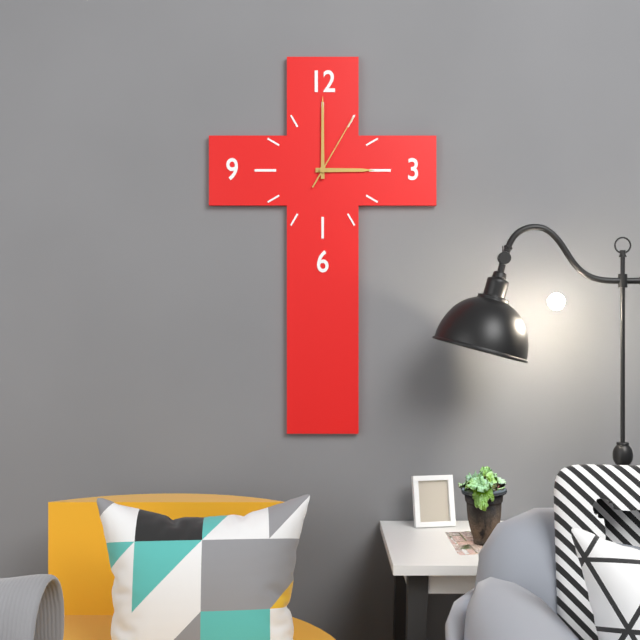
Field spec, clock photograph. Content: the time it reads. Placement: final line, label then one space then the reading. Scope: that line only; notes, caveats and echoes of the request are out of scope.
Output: 3:00:05
